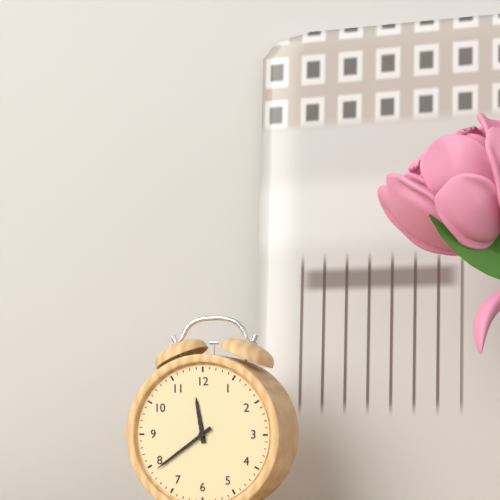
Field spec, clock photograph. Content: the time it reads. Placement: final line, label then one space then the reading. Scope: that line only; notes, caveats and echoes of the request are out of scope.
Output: 11:39
